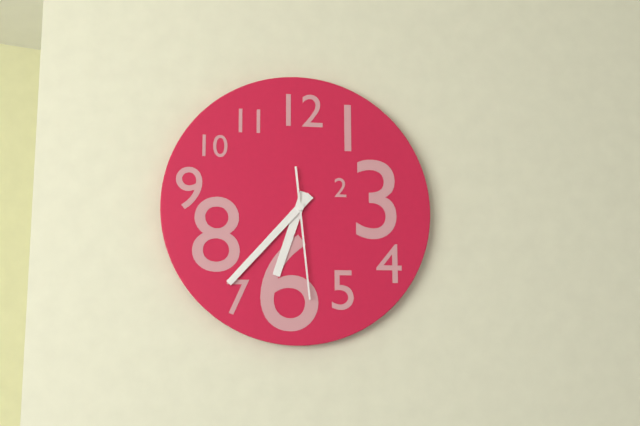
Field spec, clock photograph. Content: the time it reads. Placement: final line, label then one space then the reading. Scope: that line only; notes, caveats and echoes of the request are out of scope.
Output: 6:37:29
